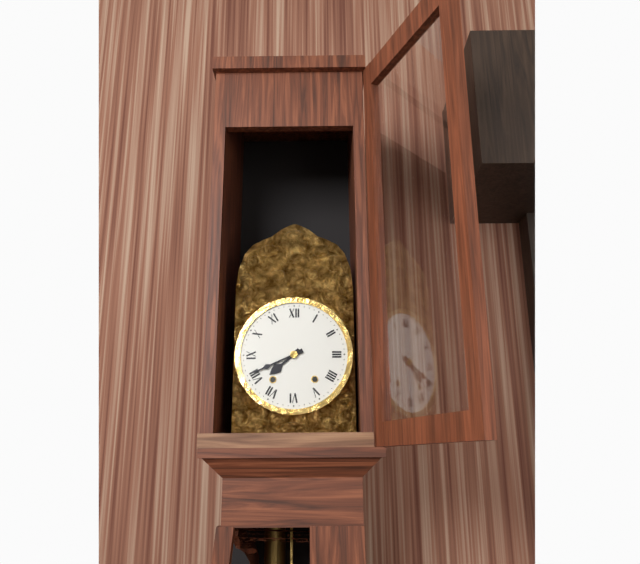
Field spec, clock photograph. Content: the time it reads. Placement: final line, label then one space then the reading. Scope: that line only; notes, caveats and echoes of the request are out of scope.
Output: 7:41
